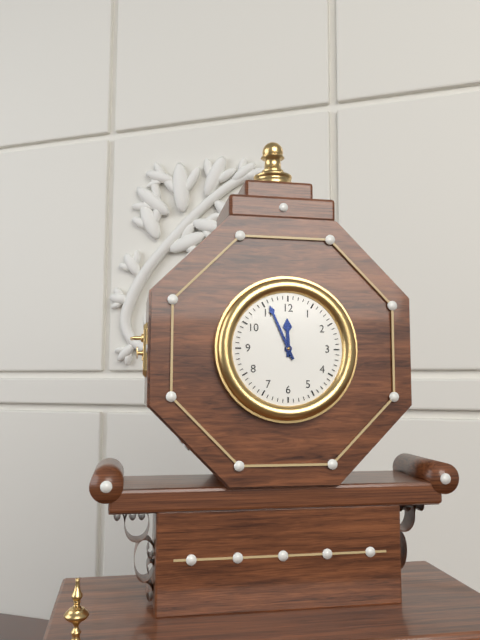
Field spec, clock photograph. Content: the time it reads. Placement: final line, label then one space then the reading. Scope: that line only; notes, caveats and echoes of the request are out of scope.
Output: 11:56
